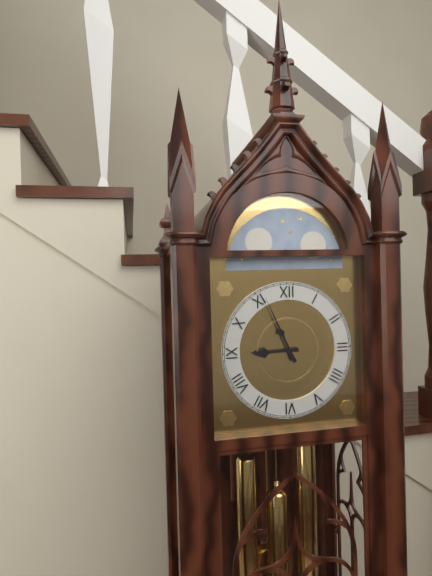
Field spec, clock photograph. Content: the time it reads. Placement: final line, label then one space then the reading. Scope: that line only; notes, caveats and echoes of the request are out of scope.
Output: 8:56
